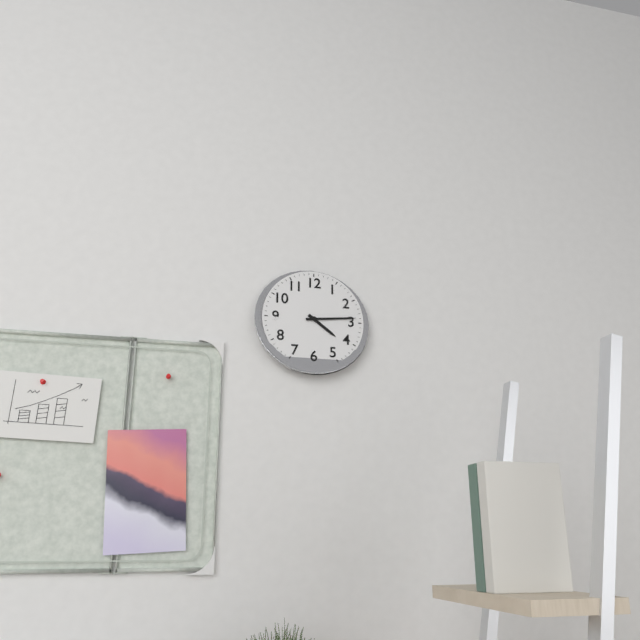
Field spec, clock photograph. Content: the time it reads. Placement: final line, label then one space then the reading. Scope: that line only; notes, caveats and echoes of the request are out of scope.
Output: 4:14
